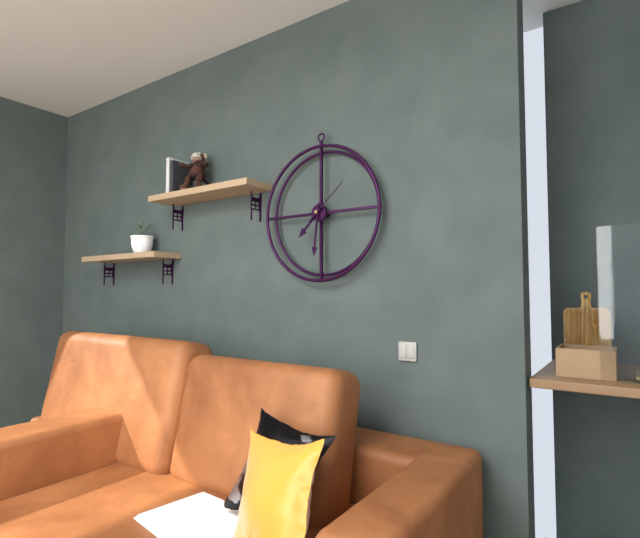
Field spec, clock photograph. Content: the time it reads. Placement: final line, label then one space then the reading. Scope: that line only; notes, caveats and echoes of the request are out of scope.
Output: 7:31:08
